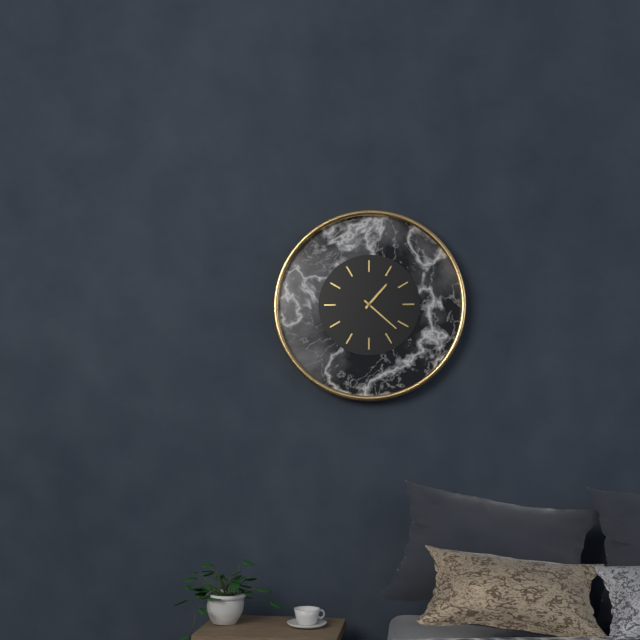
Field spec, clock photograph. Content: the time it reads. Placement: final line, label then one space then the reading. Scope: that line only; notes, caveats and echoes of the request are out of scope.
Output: 1:22
